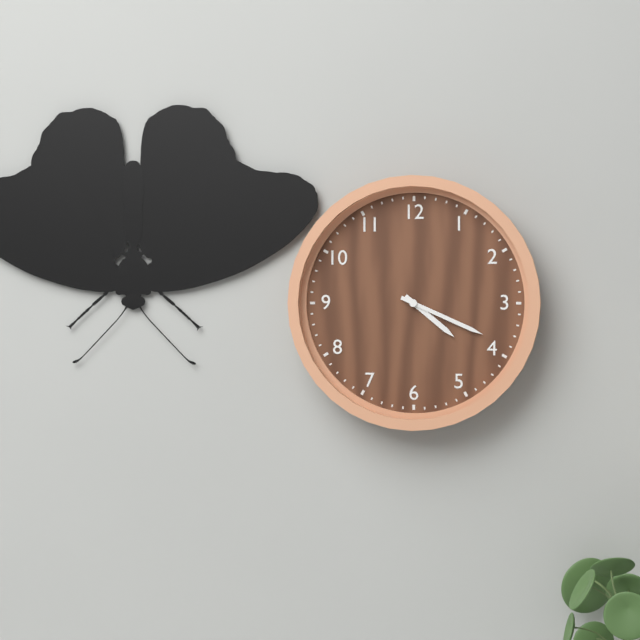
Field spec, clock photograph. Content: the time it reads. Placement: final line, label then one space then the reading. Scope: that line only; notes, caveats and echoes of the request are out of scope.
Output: 4:19
